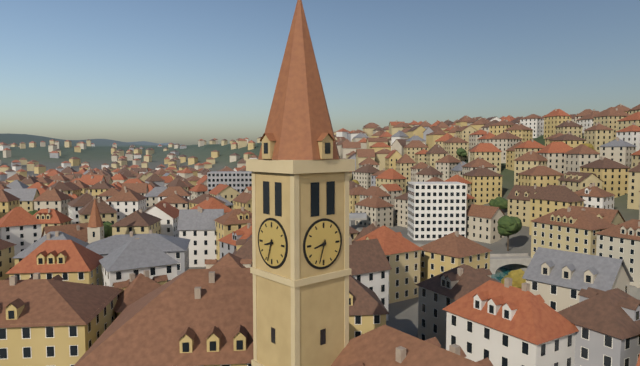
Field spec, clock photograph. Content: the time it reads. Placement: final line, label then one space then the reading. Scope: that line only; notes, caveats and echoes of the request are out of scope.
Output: 8:33
